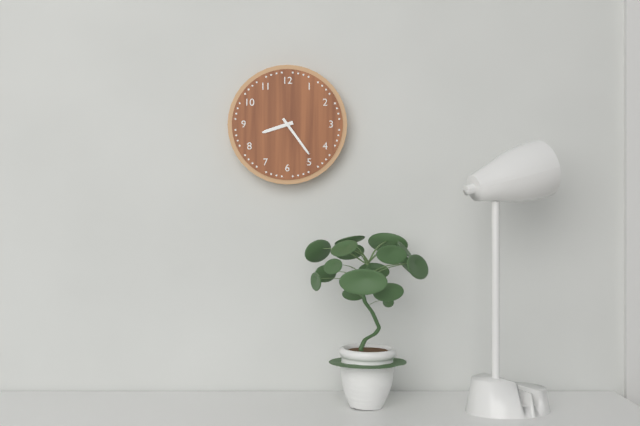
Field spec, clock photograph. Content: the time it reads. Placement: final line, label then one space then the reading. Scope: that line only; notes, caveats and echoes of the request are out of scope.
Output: 8:24
